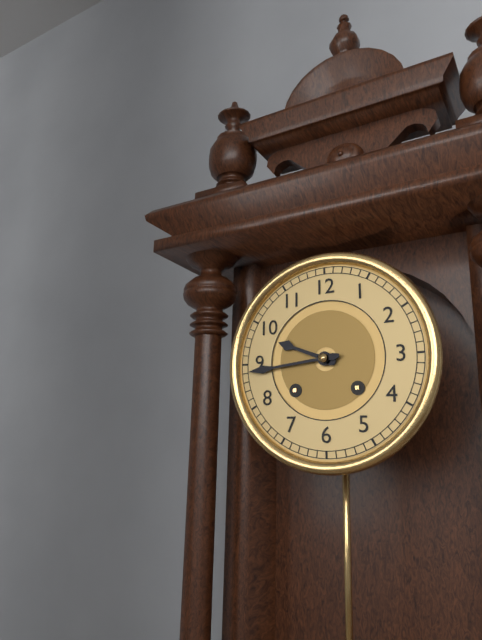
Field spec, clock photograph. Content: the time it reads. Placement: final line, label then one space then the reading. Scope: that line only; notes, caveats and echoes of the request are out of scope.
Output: 9:44
